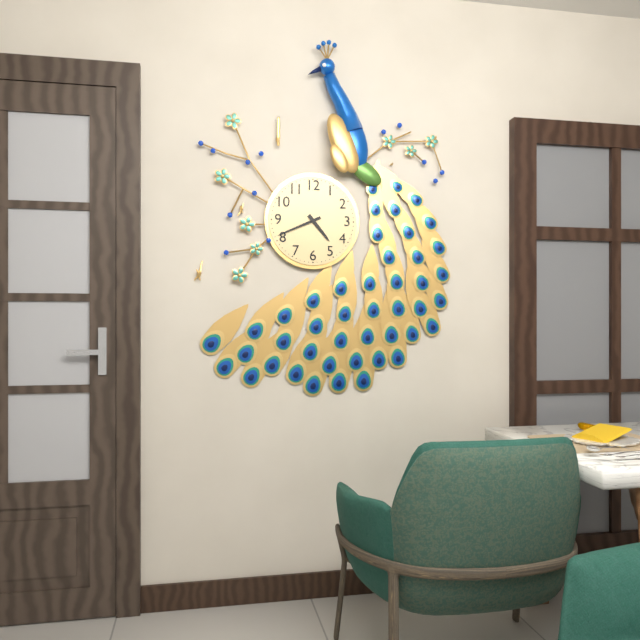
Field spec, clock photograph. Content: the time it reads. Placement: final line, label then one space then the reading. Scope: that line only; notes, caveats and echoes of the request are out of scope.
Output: 4:41
